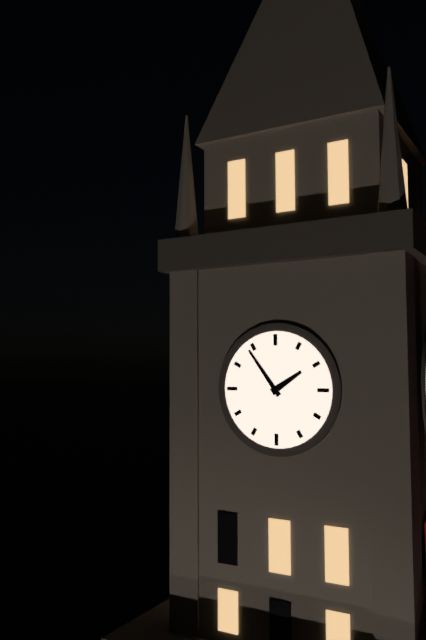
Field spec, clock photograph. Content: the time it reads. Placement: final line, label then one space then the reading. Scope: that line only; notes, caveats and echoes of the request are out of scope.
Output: 1:54
